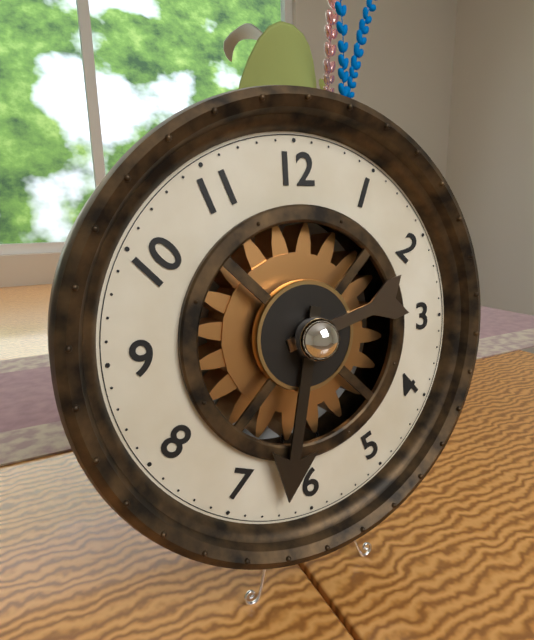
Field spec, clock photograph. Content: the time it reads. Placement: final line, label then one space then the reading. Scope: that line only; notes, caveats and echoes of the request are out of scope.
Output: 2:32
